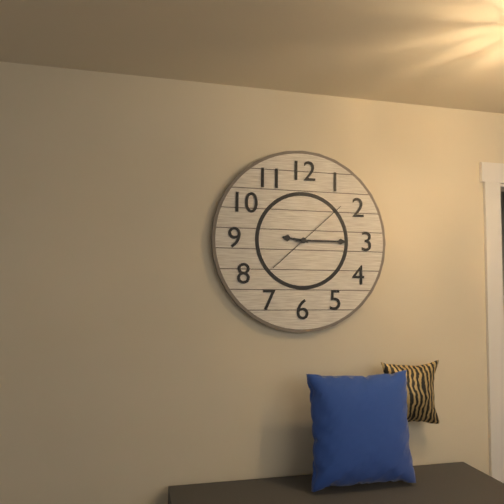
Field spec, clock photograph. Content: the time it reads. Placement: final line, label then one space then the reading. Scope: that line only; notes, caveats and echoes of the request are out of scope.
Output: 9:15:08
